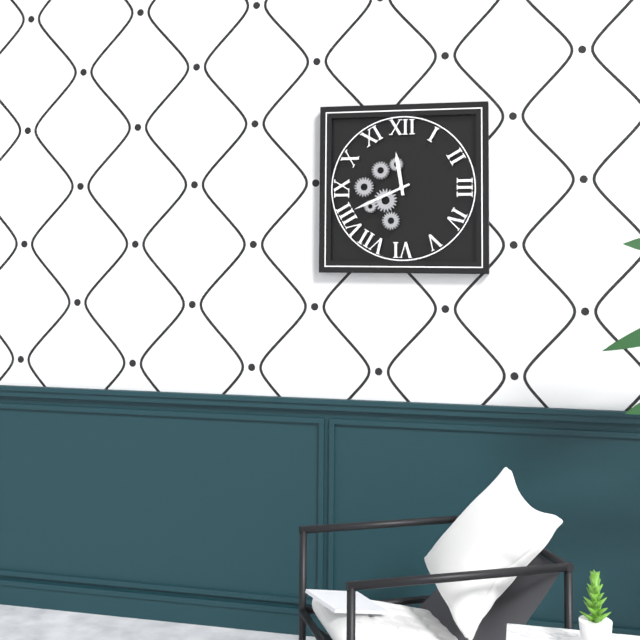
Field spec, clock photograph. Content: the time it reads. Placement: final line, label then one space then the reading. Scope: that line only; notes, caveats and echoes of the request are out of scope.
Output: 11:41
